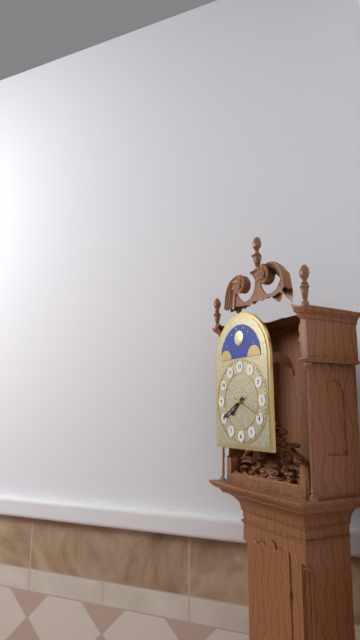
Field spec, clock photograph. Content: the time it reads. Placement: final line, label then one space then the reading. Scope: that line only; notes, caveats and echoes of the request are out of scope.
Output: 7:40
